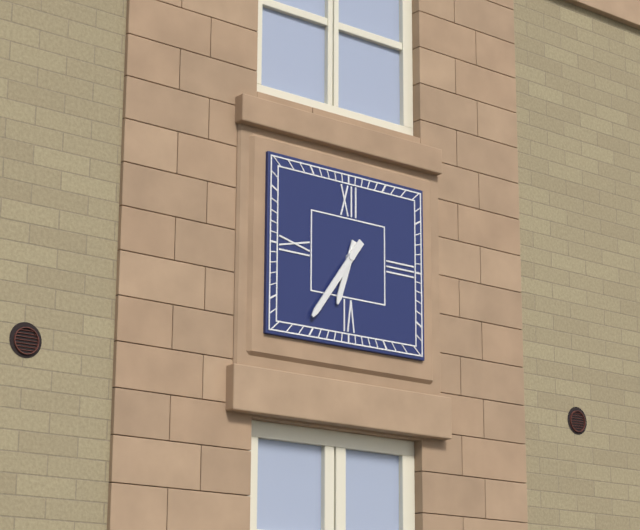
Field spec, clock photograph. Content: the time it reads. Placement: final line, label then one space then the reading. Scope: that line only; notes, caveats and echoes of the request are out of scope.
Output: 6:36
